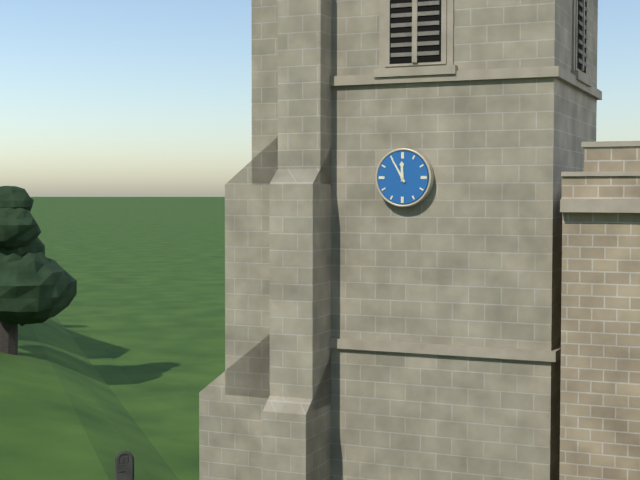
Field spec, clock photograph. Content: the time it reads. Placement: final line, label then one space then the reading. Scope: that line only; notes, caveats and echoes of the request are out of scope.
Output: 11:55
